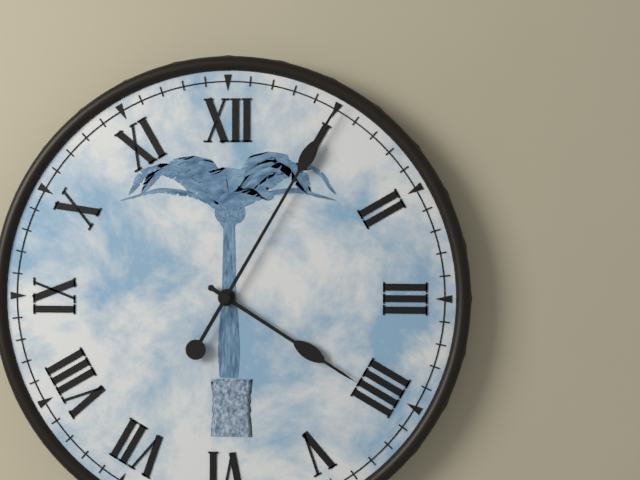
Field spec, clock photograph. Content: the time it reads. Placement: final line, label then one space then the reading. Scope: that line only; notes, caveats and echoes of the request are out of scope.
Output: 4:05
